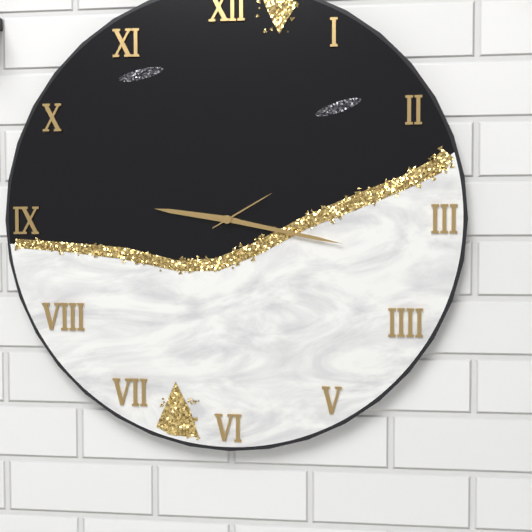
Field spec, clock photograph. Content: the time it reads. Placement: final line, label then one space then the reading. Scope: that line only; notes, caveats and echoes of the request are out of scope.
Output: 9:17:10
